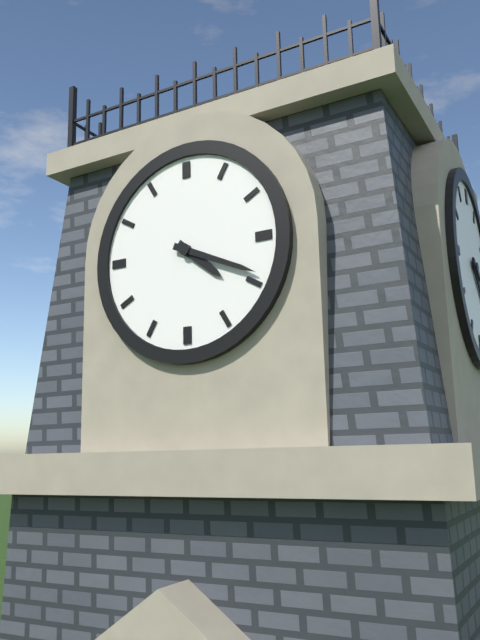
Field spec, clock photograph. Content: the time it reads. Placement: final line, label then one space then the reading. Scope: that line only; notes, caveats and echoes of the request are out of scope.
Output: 4:19
